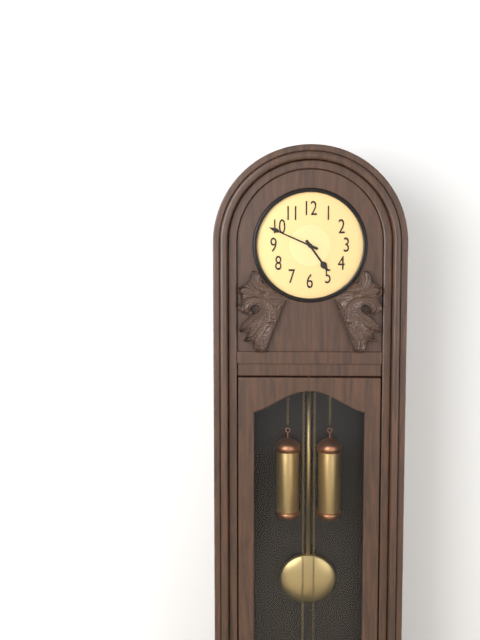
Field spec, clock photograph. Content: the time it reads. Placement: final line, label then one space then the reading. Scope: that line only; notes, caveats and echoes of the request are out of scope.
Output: 4:49
